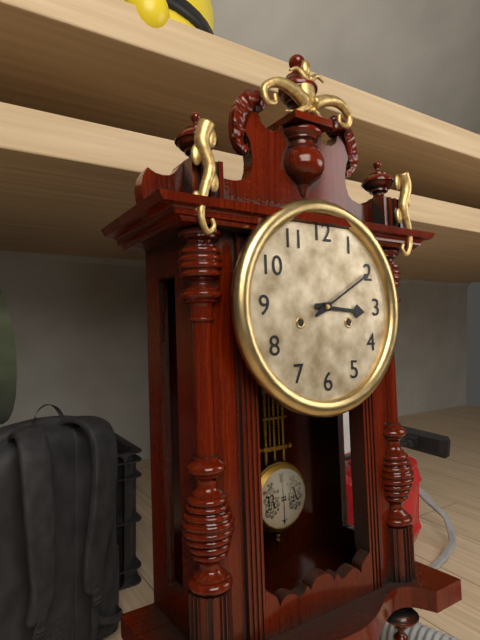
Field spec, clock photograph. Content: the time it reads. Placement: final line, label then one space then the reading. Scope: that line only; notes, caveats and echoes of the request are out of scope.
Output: 3:10
